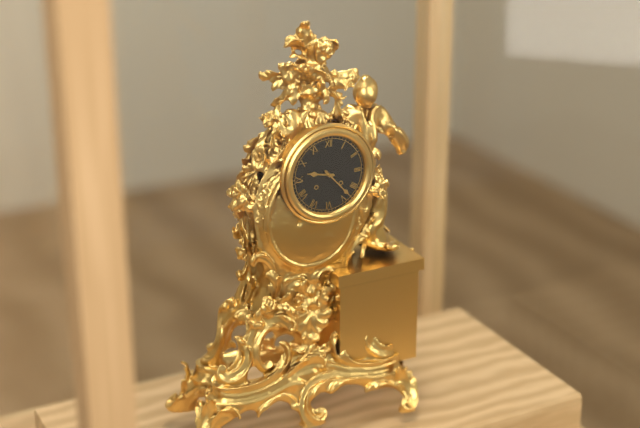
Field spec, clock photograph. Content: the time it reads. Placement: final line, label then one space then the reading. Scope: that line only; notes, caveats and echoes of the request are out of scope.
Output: 9:23
